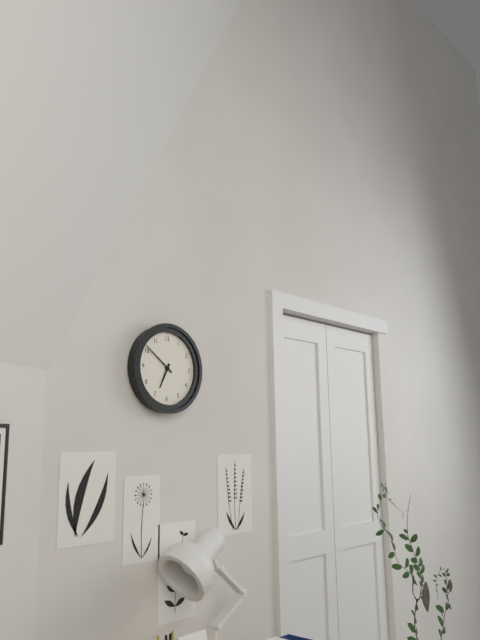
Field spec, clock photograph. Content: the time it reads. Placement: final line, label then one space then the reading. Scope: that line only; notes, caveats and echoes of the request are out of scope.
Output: 6:51
